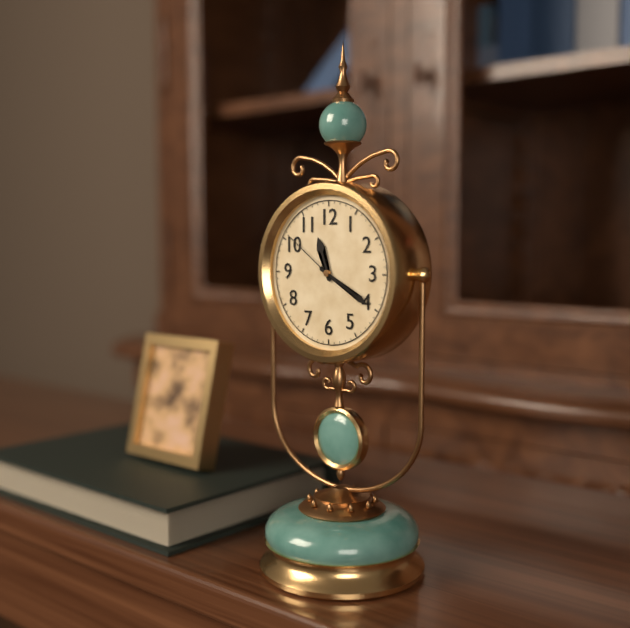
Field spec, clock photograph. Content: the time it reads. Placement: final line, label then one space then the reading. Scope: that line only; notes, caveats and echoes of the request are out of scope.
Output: 11:20:51
